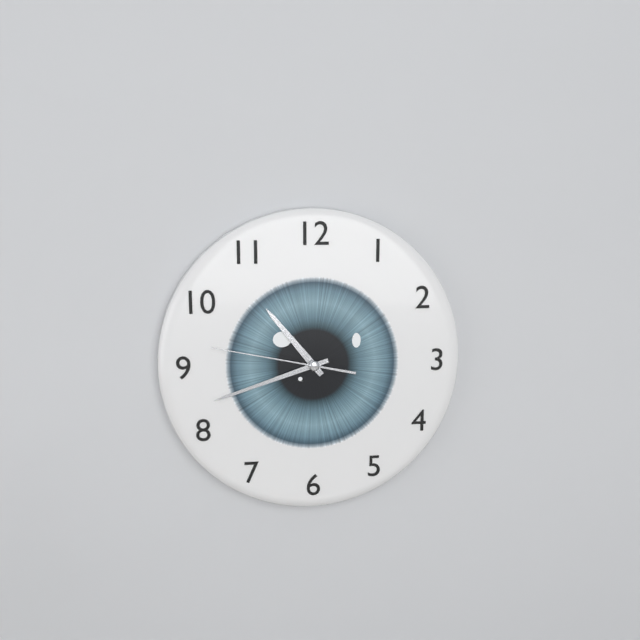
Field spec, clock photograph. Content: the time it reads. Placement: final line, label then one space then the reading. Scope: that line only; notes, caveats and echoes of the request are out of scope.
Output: 10:42:47
